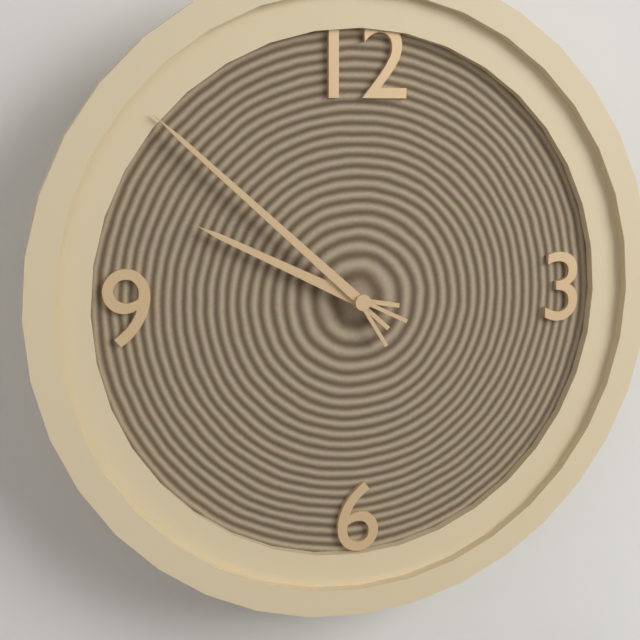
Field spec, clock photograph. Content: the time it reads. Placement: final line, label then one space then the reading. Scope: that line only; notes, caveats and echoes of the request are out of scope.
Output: 9:52
